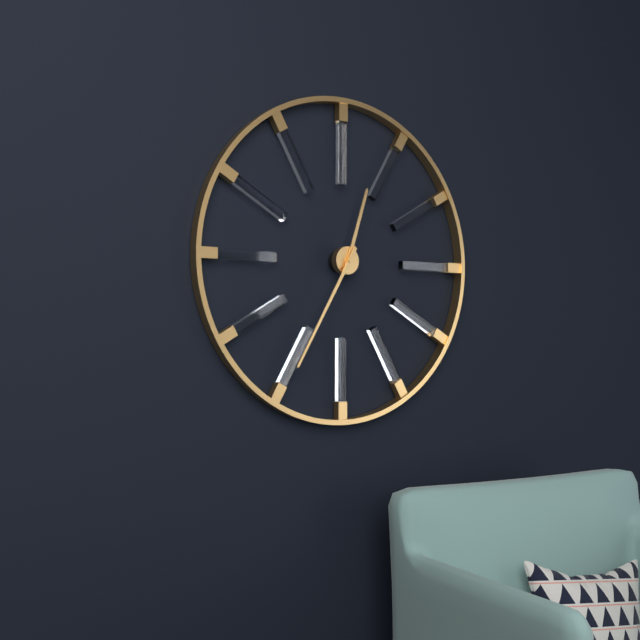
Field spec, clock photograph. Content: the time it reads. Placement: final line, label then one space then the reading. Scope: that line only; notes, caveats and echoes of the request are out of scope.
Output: 12:35
